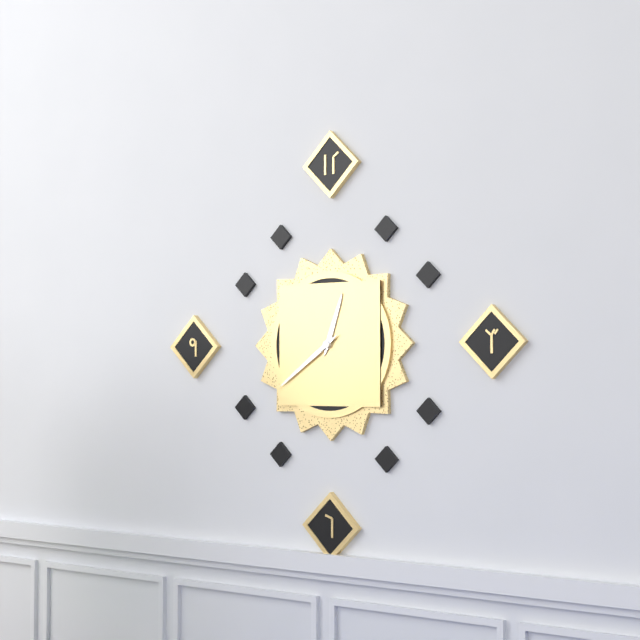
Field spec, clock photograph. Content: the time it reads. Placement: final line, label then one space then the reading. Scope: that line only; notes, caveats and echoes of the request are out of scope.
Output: 12:39
